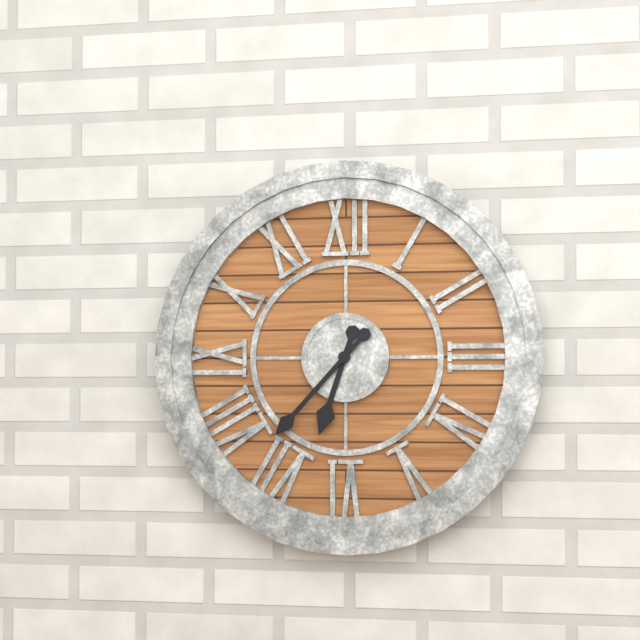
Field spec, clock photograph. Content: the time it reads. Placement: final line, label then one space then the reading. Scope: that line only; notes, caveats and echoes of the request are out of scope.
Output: 6:37
